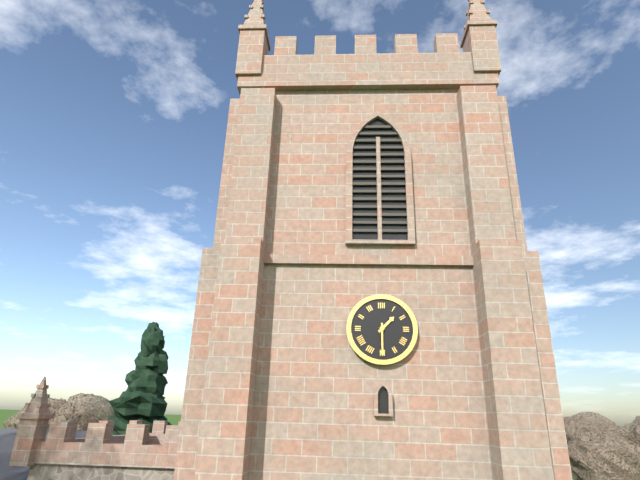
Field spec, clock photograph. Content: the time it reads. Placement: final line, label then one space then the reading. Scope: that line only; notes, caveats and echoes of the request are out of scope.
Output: 1:30
